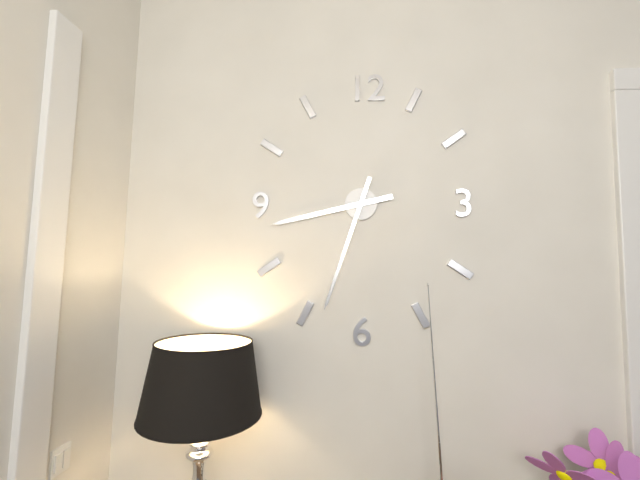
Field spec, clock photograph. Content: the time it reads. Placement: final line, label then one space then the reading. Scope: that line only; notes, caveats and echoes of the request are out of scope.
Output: 8:33
